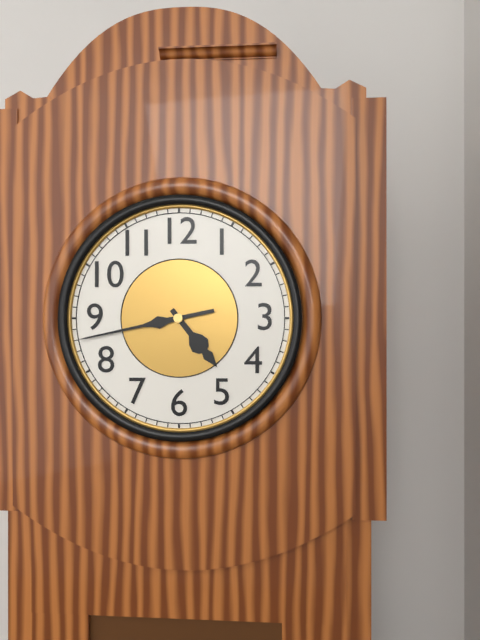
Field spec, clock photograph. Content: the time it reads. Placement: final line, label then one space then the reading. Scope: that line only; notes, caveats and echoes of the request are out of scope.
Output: 4:43
